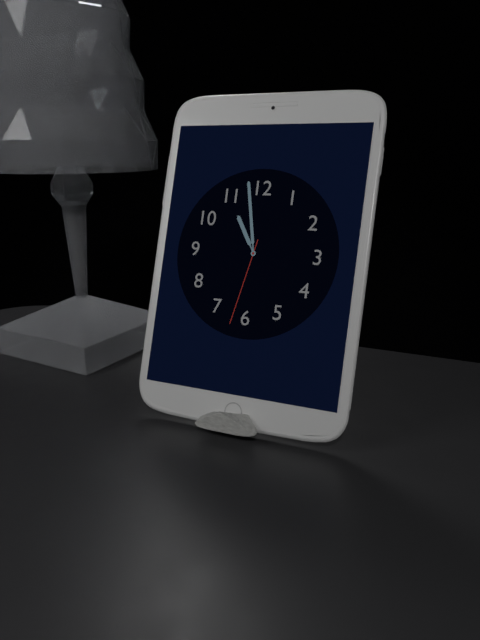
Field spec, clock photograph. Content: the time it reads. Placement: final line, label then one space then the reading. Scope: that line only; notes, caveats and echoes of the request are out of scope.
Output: 10:58:32
